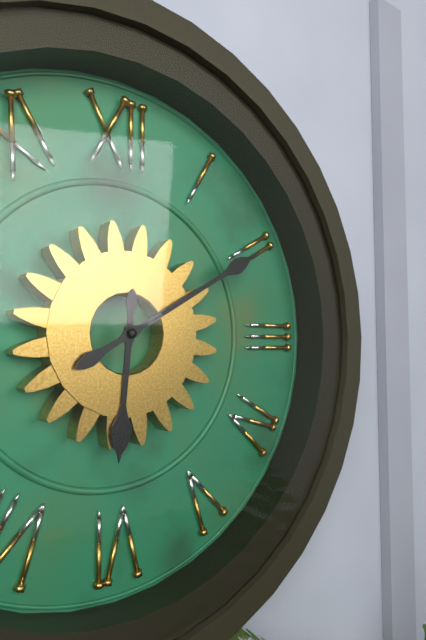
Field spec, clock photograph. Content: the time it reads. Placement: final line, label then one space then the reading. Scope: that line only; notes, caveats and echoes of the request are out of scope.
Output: 6:10
